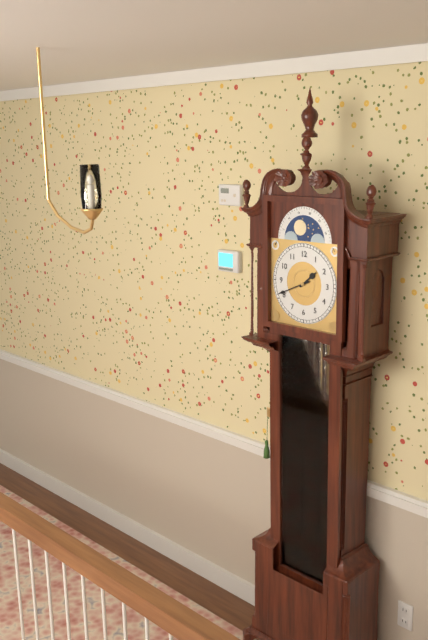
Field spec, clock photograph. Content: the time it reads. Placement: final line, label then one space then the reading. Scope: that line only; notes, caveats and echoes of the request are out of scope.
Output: 1:41
